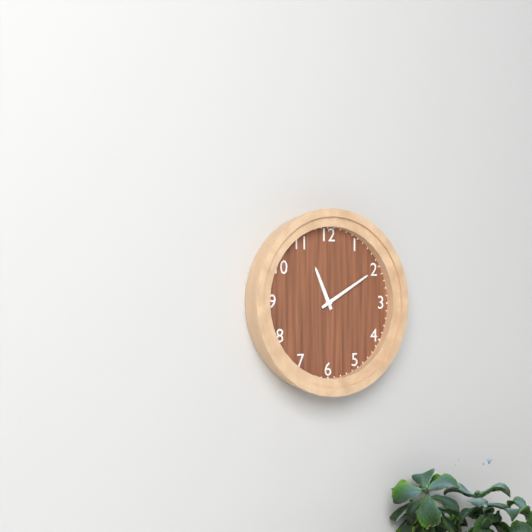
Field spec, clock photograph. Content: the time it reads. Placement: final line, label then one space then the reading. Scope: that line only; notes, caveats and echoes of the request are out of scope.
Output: 11:10
